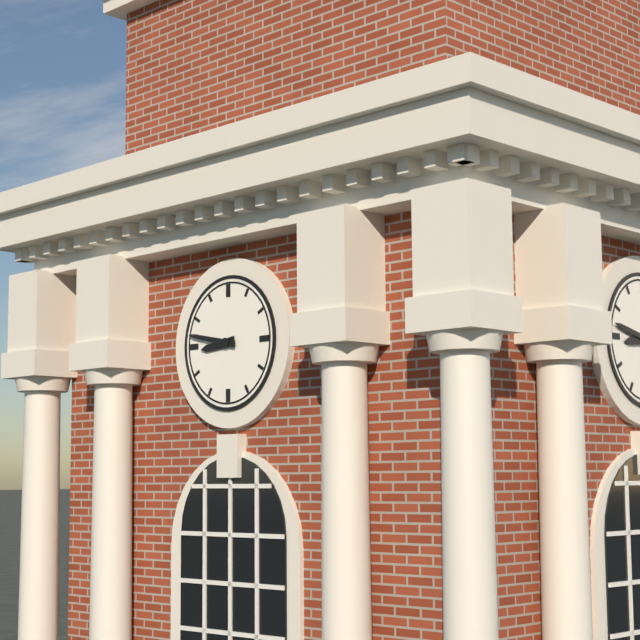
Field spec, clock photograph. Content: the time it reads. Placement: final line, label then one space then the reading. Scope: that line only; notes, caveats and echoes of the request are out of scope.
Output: 8:47
